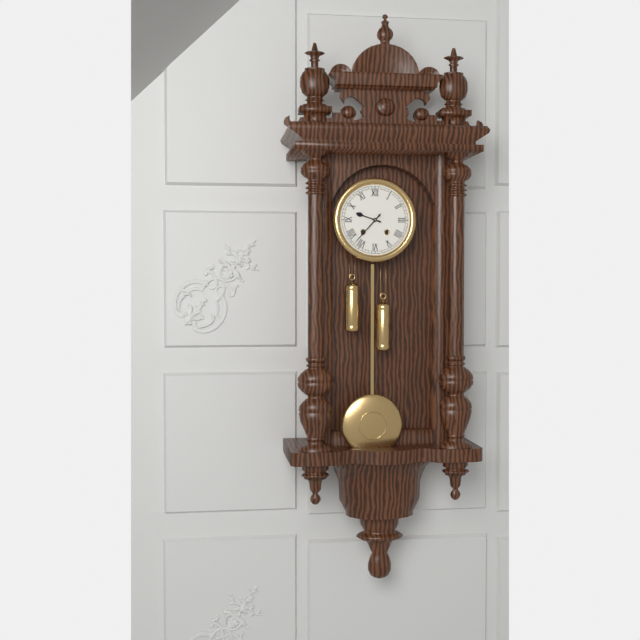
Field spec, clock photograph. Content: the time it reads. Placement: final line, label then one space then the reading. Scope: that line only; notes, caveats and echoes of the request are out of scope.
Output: 9:37
